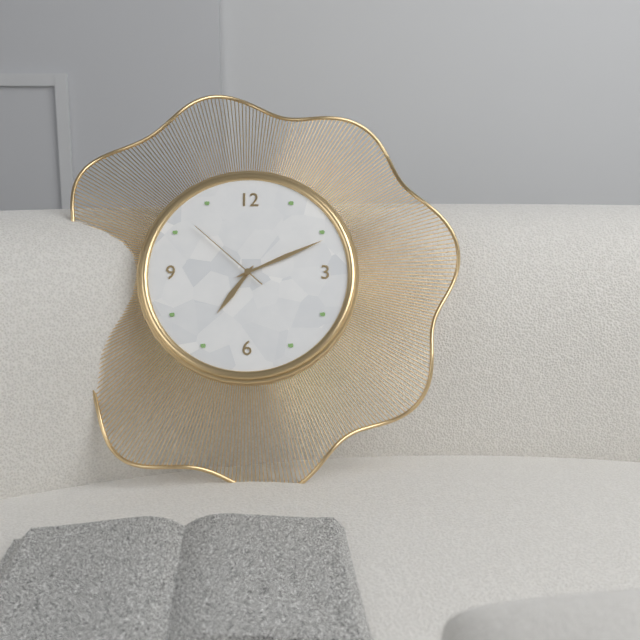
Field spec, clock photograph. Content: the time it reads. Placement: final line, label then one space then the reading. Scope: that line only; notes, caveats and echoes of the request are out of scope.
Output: 7:11:52
